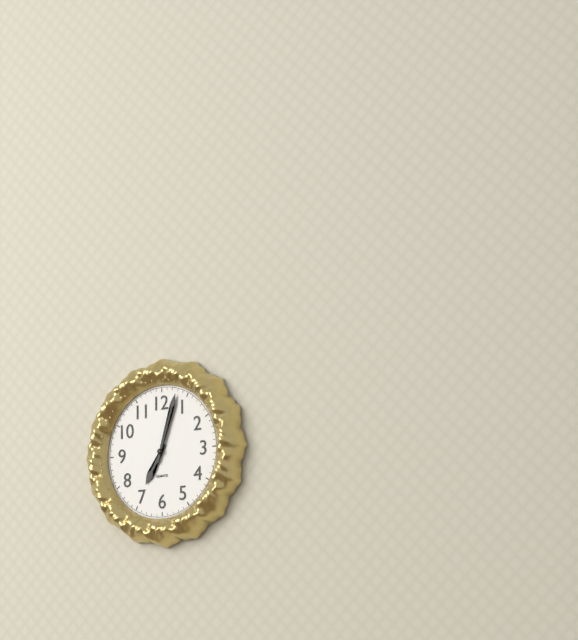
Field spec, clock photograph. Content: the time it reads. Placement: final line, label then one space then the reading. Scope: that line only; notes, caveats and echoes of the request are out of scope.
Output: 7:03
